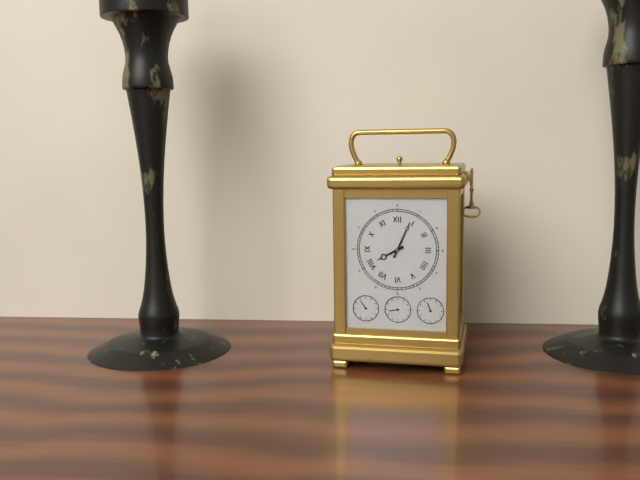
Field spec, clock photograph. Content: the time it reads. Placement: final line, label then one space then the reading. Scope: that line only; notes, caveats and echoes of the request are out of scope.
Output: 8:04
